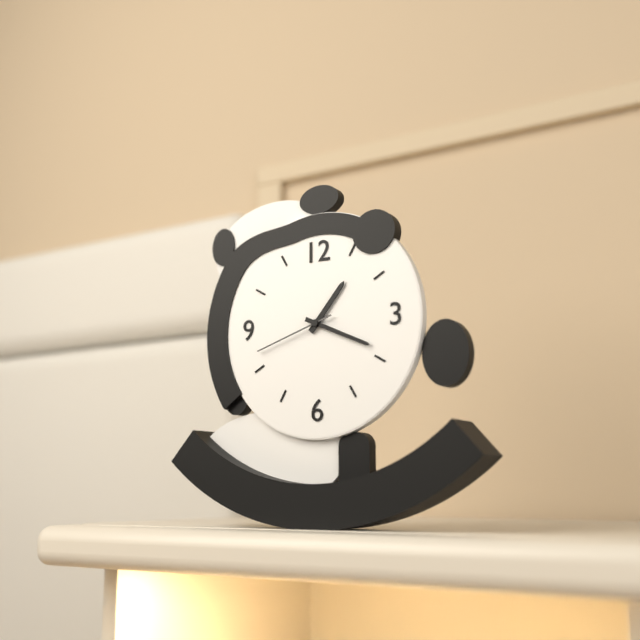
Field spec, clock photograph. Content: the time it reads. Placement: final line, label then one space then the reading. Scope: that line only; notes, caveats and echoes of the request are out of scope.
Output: 1:19:42
